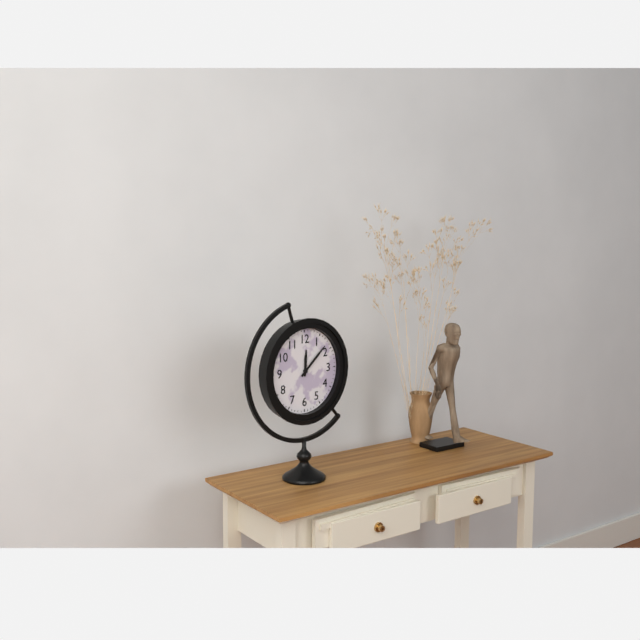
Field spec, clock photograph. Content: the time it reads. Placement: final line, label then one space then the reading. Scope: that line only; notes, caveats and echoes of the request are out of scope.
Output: 12:08
